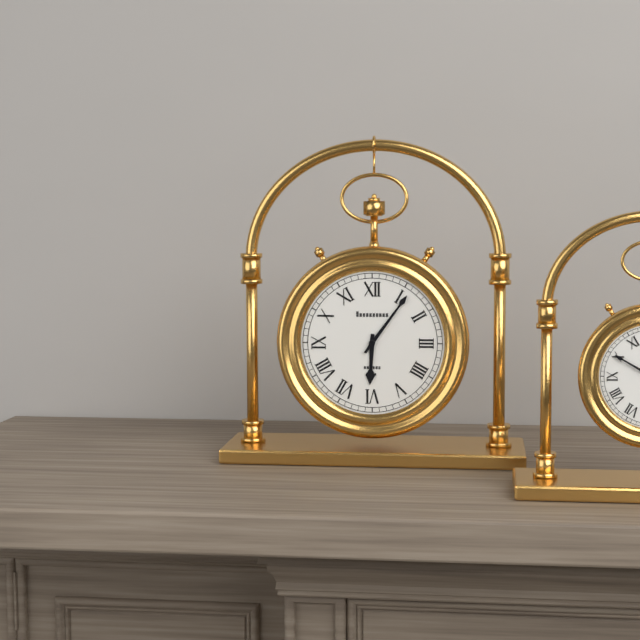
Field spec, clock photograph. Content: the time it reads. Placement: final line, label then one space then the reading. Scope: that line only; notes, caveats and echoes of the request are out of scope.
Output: 6:06
